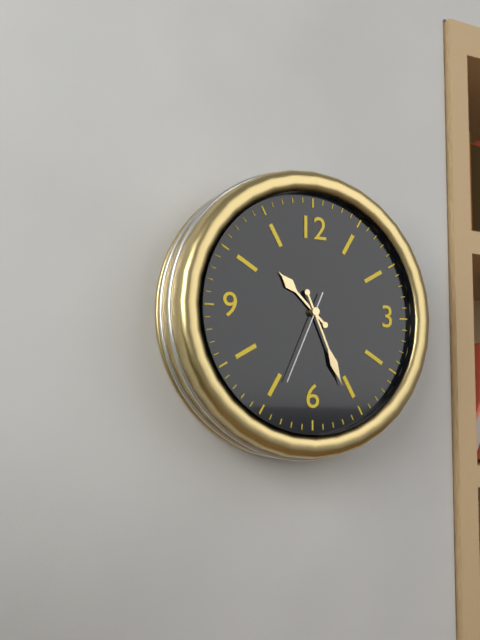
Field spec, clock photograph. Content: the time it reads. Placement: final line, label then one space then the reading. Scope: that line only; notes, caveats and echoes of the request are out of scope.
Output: 10:26:34
